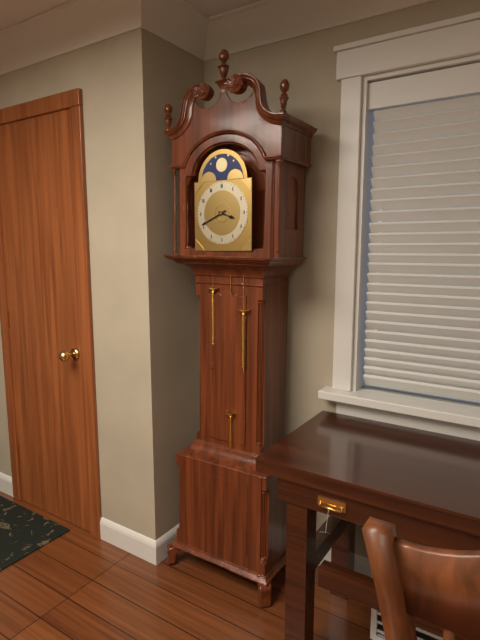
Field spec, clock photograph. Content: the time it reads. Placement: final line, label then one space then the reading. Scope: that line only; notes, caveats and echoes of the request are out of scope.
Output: 3:41
